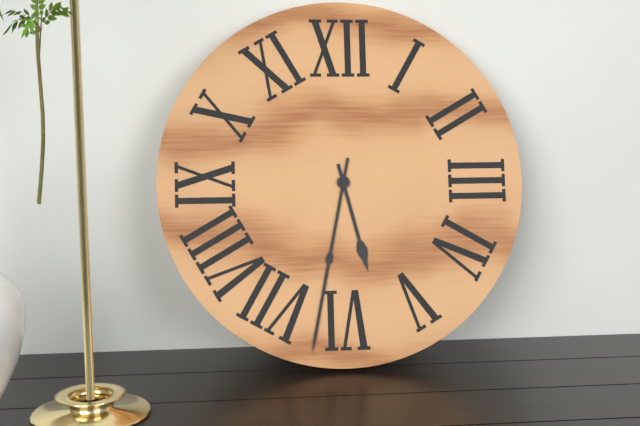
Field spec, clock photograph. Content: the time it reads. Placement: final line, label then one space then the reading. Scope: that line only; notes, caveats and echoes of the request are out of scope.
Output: 5:32
